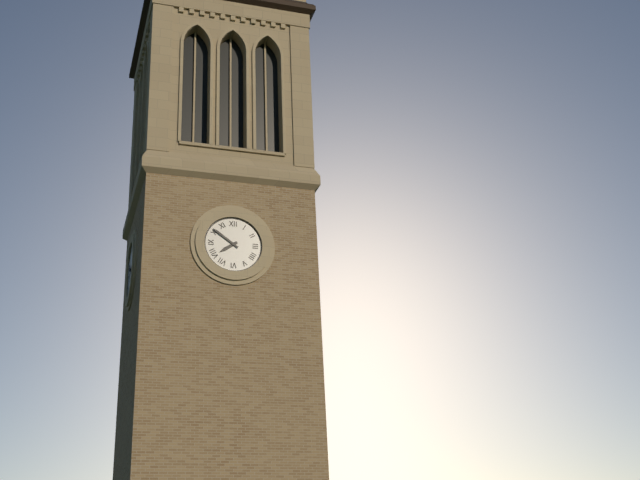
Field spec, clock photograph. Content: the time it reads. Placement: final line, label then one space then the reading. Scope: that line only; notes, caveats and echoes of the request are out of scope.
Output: 7:51
